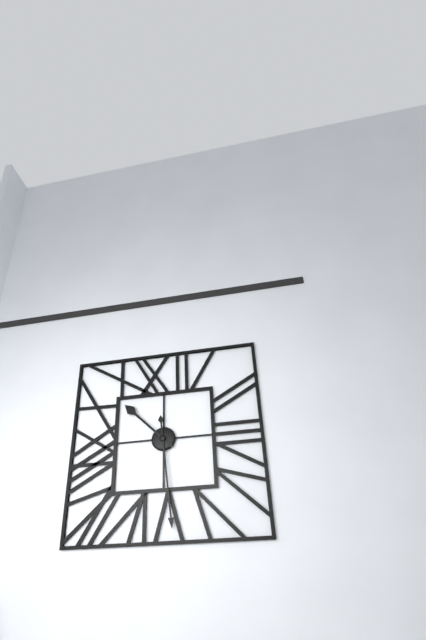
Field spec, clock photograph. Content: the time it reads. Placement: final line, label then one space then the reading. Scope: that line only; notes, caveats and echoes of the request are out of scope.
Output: 10:29
